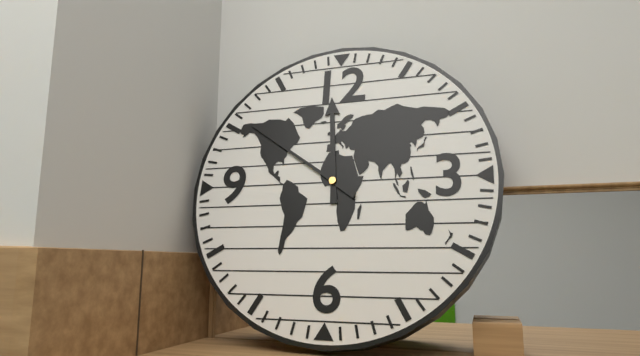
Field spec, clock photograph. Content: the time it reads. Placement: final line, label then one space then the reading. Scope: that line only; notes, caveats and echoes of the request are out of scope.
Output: 11:51
